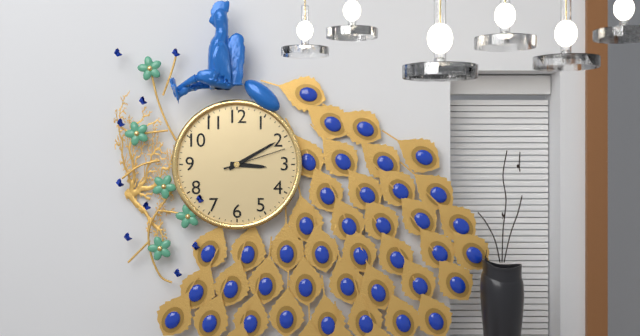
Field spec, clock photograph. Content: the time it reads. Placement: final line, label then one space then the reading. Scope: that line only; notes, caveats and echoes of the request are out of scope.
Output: 3:10:12
